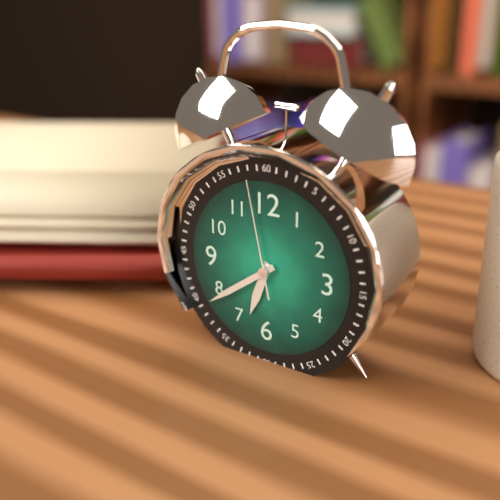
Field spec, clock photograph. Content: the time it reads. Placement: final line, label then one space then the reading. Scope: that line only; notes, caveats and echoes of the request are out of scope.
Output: 6:39:58
